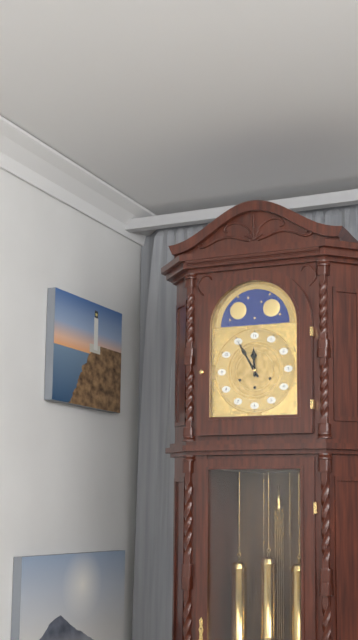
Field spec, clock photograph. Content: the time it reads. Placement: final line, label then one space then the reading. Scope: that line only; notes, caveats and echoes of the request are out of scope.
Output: 11:55
